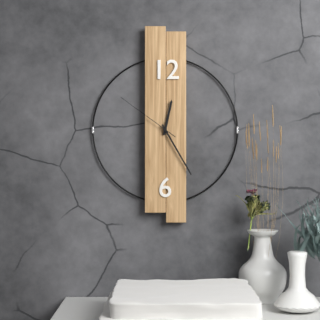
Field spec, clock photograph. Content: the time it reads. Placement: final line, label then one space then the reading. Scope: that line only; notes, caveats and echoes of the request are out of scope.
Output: 12:25:51
